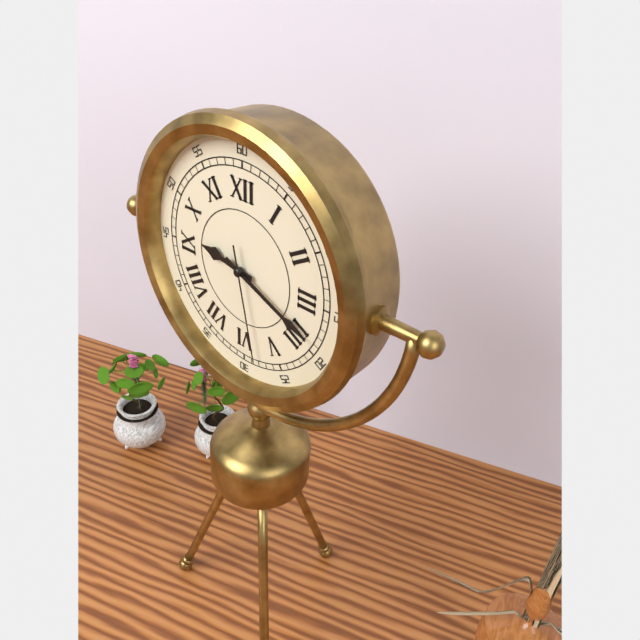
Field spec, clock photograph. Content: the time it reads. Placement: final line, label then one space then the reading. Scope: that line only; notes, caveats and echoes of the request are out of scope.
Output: 9:19:28
